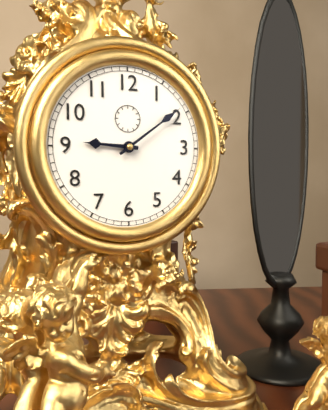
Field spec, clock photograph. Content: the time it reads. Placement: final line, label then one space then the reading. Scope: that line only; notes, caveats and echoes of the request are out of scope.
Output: 9:09
